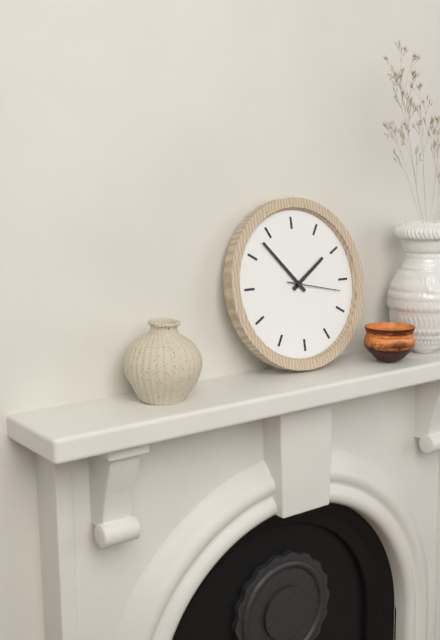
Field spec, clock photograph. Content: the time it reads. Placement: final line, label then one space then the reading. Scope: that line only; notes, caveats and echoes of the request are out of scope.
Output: 1:53:17
